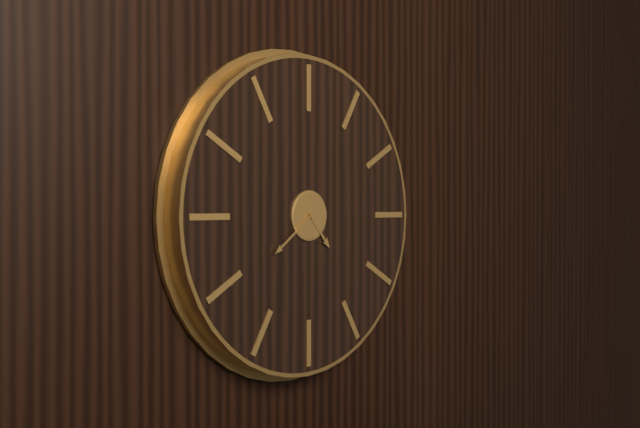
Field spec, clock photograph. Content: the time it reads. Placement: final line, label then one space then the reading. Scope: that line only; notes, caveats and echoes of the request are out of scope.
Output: 4:39
